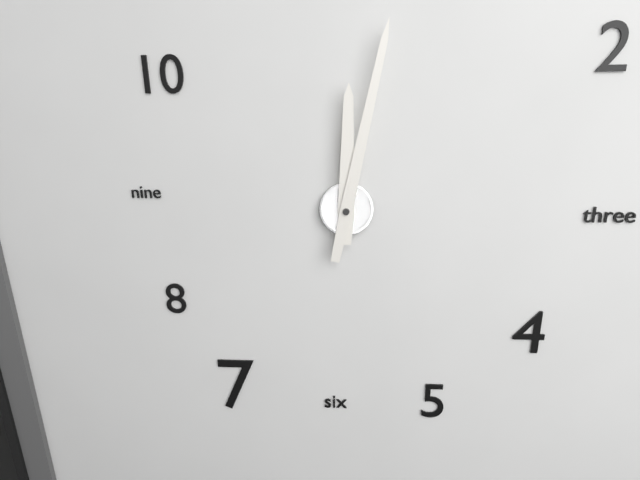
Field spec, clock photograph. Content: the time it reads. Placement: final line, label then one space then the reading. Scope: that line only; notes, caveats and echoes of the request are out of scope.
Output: 12:02
